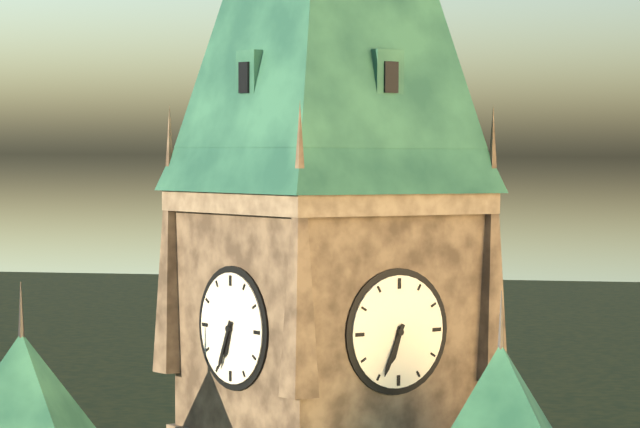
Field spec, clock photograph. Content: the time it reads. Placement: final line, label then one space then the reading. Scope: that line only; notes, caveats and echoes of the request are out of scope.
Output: 6:34
